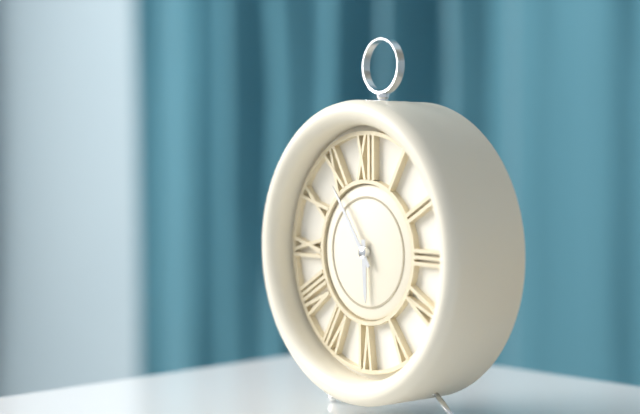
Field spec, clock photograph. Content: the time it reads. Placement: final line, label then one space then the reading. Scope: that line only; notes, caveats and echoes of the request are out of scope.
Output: 5:54
